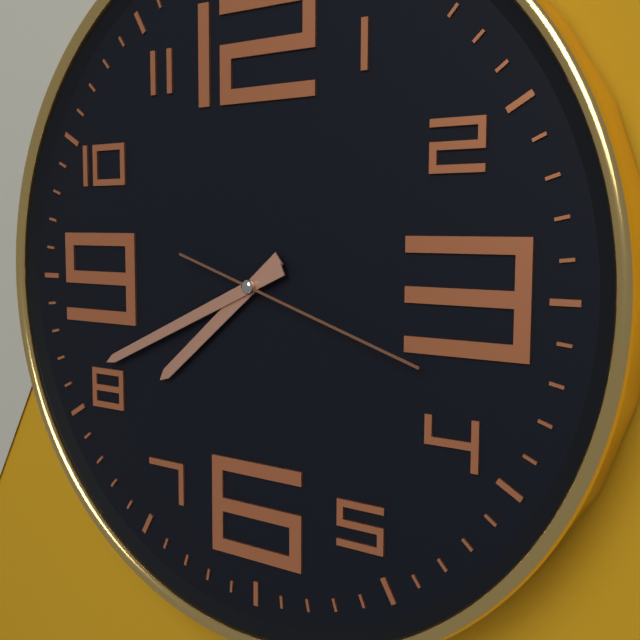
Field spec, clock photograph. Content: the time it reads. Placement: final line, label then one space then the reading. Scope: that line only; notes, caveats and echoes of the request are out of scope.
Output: 7:41:18
